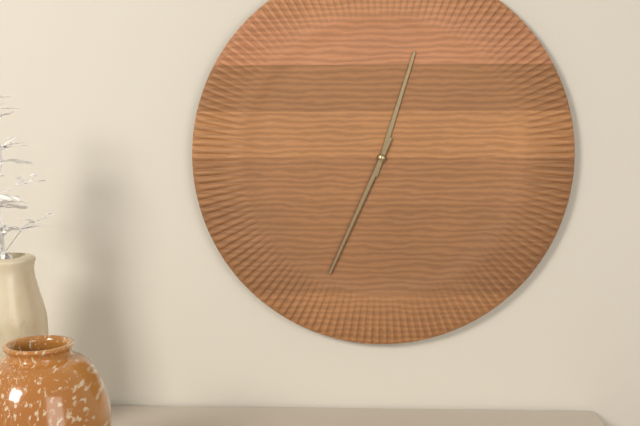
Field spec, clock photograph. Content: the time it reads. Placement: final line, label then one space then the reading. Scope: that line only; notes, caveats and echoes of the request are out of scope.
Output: 12:34
